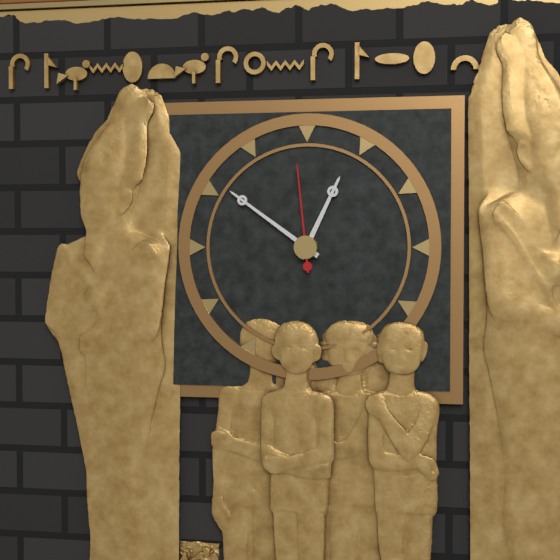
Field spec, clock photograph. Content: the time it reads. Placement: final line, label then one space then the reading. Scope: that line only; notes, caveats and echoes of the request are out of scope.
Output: 12:51:59
